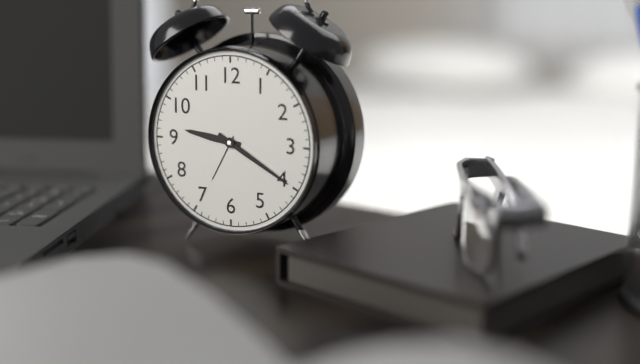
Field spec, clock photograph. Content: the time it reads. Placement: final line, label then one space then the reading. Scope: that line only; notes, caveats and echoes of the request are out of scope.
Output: 9:20
